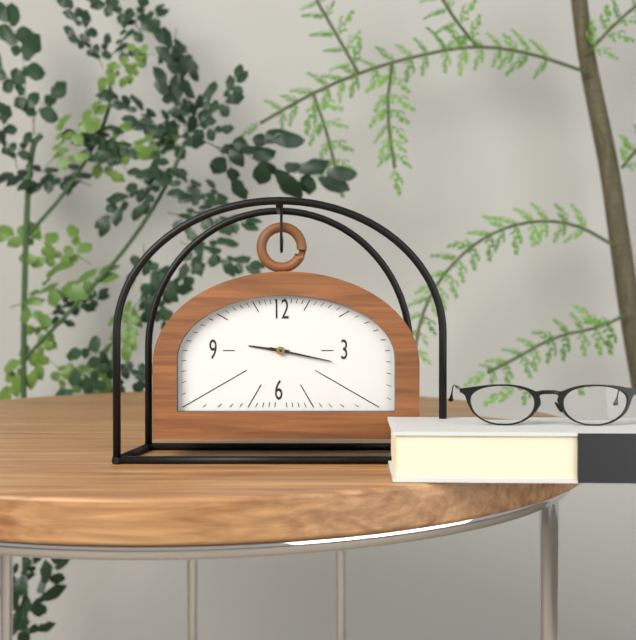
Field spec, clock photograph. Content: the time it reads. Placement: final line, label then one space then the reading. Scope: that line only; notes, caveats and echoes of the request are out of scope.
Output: 9:17
